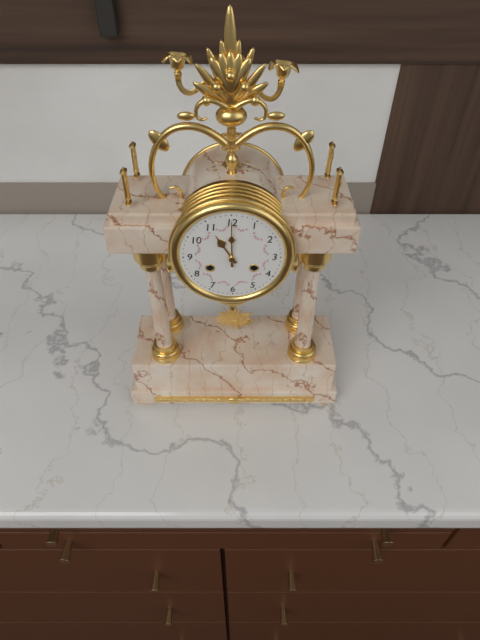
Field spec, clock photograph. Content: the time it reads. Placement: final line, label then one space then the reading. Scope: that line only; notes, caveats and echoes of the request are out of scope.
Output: 11:00
